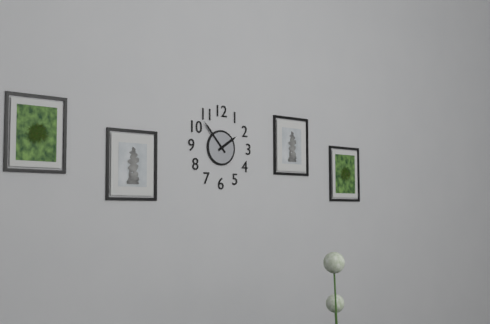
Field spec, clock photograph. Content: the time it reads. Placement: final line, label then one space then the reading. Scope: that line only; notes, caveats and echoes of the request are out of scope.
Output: 1:53
